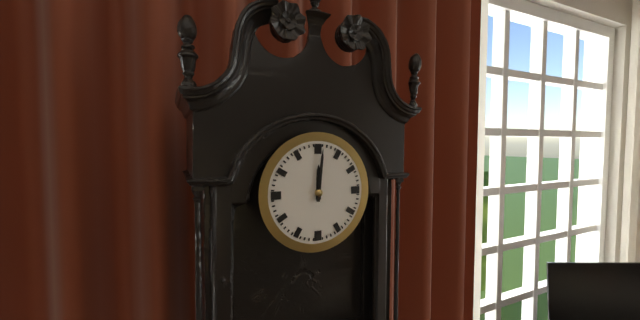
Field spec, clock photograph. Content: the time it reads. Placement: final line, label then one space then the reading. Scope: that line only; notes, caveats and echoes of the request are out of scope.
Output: 12:01
